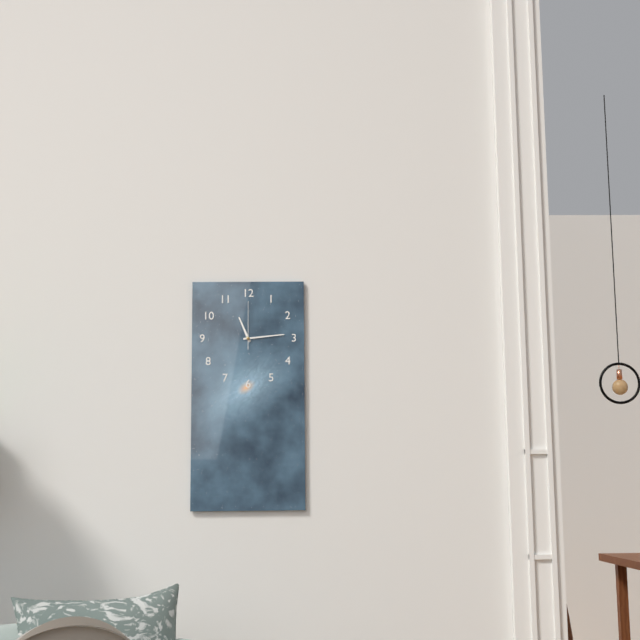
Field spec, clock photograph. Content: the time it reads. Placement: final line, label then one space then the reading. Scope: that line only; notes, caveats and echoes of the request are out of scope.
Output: 11:14
